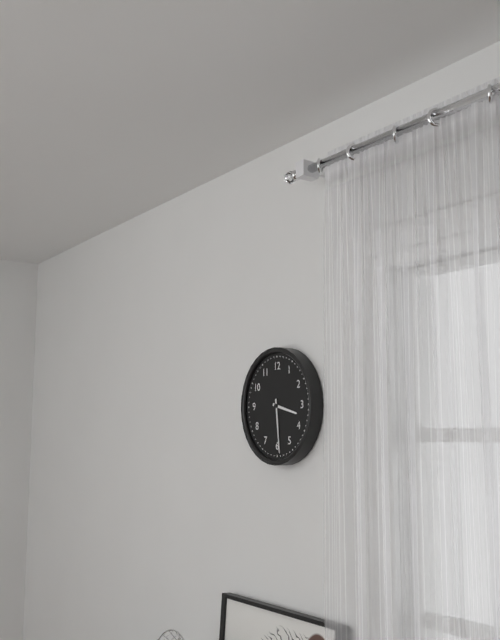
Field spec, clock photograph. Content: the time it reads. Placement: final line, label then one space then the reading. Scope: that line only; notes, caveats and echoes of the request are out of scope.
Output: 3:29
